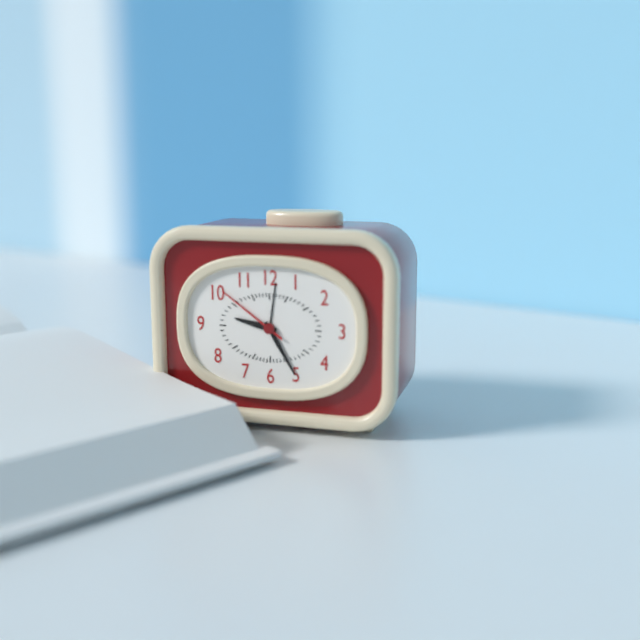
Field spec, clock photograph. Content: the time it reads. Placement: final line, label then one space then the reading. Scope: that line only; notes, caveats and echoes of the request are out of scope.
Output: 9:25:51
